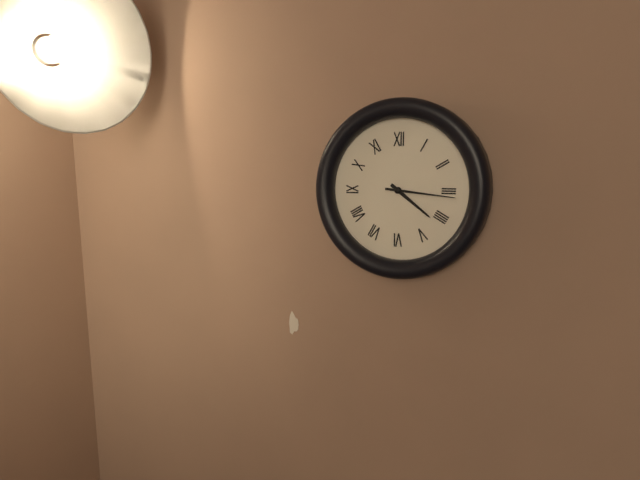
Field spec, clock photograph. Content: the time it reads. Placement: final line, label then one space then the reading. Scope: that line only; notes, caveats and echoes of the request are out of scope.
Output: 4:16
